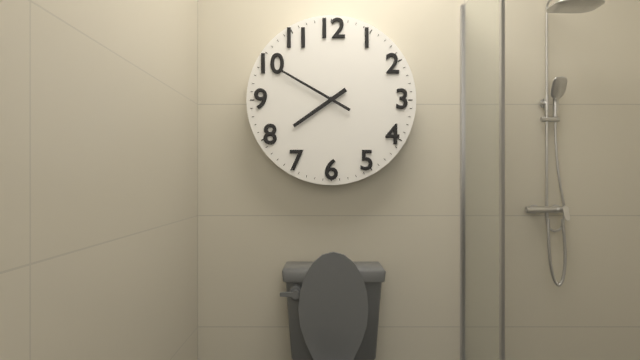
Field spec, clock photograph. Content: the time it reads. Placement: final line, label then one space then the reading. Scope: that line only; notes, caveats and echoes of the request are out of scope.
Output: 7:50
